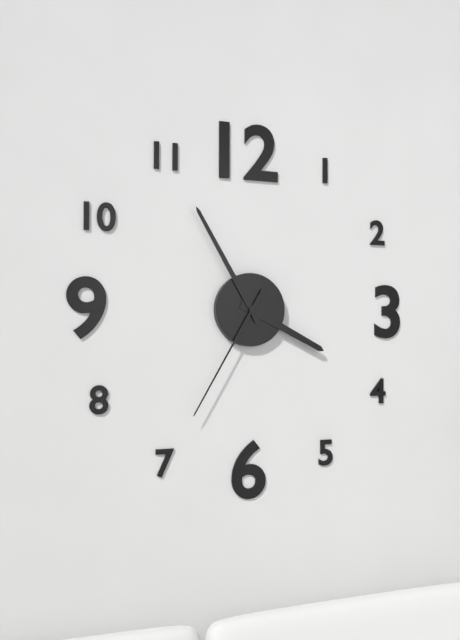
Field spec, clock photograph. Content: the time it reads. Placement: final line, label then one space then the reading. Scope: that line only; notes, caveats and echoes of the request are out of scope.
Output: 3:55:35
